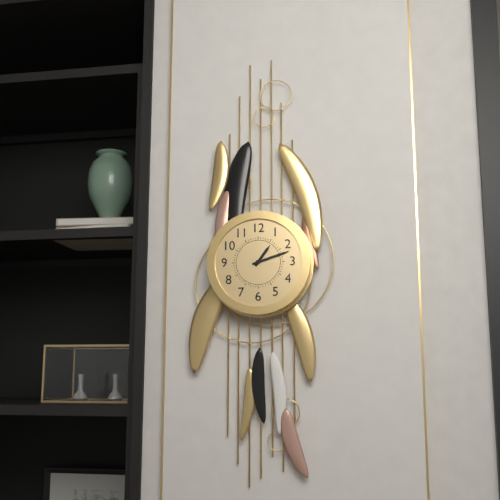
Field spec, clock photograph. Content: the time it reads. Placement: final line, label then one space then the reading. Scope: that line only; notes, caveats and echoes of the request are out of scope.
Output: 1:12
